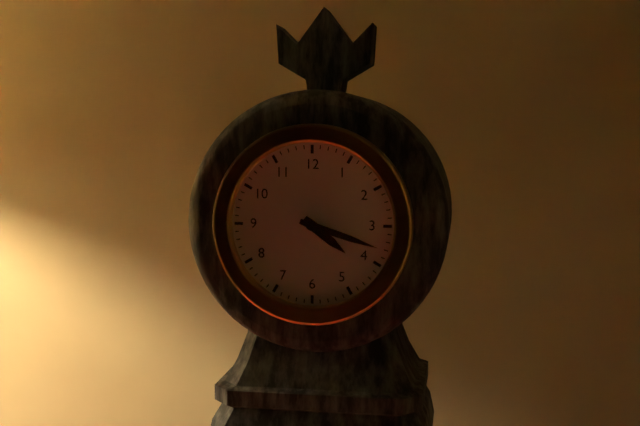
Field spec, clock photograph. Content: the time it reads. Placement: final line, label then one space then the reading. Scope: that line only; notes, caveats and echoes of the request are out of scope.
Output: 4:18
